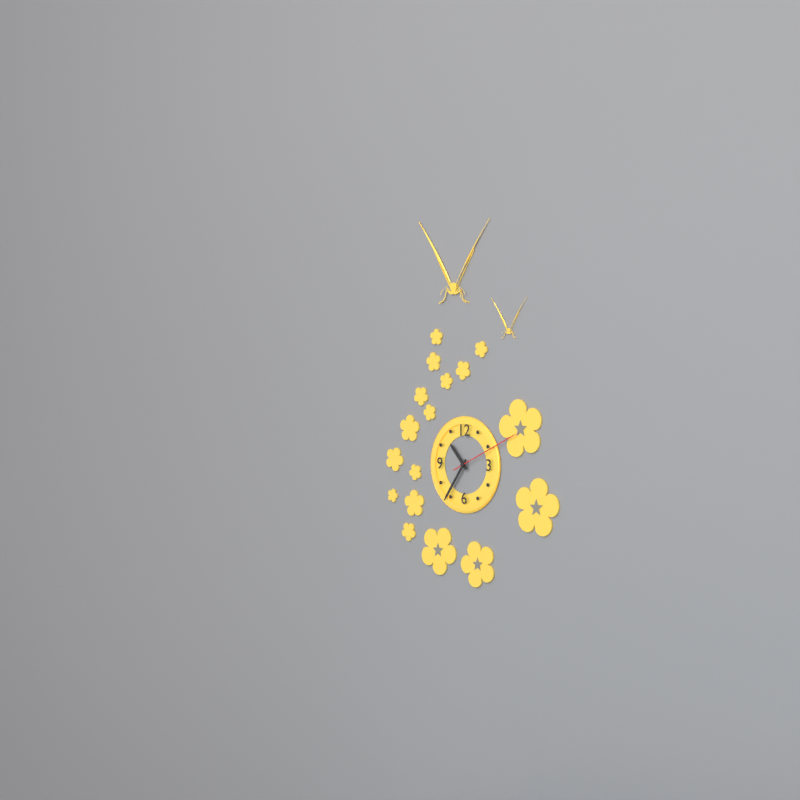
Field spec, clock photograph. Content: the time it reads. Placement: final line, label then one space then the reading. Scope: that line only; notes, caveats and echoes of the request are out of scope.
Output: 10:36:11
